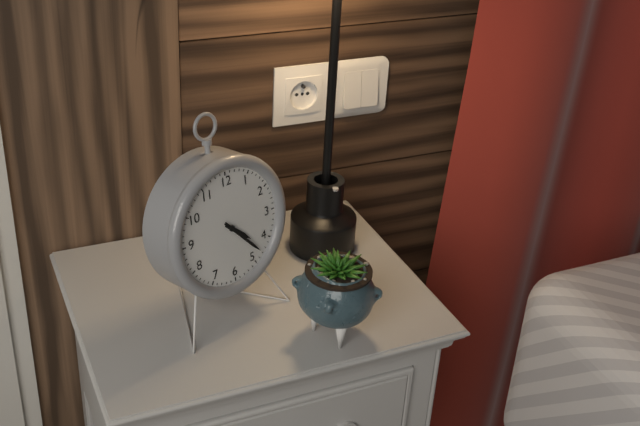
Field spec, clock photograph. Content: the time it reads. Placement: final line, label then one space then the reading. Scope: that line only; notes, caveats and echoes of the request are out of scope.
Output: 4:23
